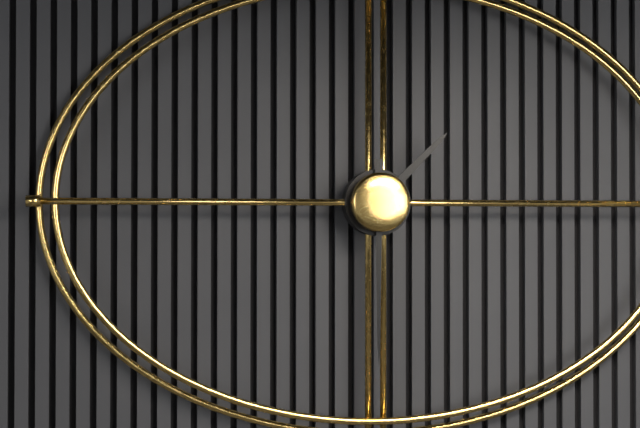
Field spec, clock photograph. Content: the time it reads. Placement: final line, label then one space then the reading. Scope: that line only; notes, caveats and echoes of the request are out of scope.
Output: 1:30
